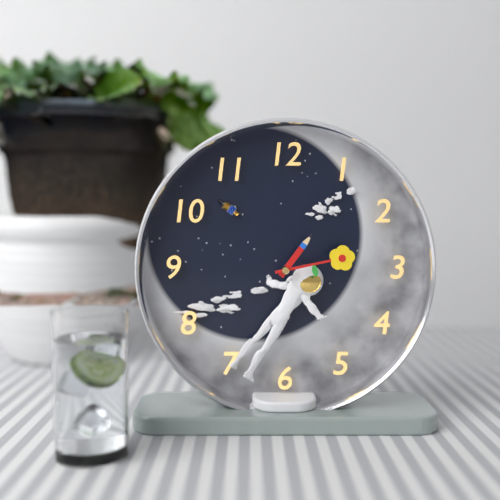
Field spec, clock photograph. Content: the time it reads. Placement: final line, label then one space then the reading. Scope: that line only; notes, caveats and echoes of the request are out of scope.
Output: 1:13
